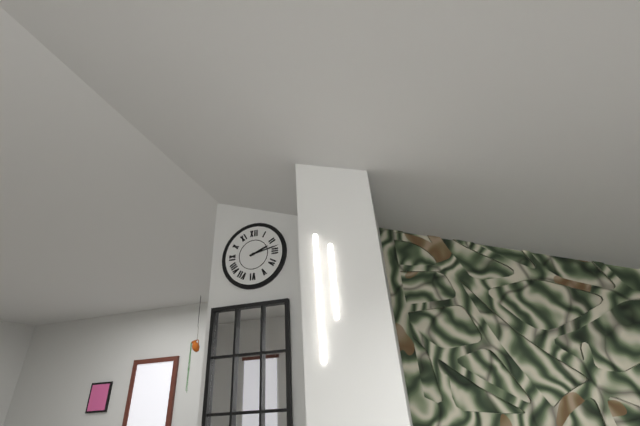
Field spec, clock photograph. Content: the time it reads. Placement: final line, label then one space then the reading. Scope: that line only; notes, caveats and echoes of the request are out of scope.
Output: 2:13
